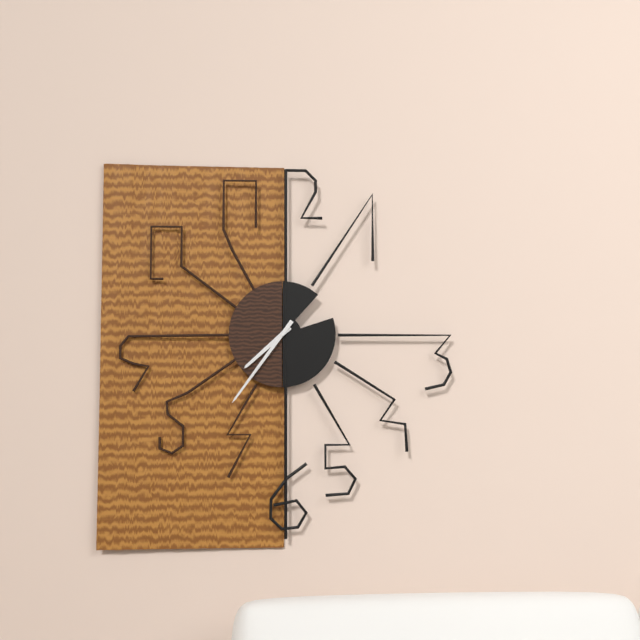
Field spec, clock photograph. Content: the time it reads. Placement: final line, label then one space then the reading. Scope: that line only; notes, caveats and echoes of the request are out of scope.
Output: 7:36
